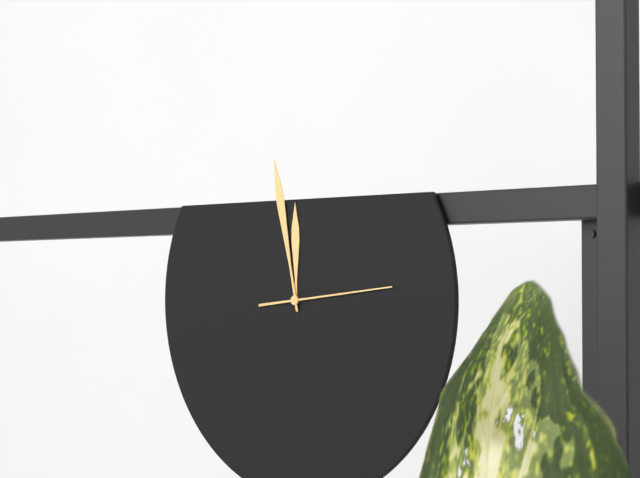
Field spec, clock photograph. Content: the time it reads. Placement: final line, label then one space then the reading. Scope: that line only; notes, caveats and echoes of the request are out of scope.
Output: 11:58:14
